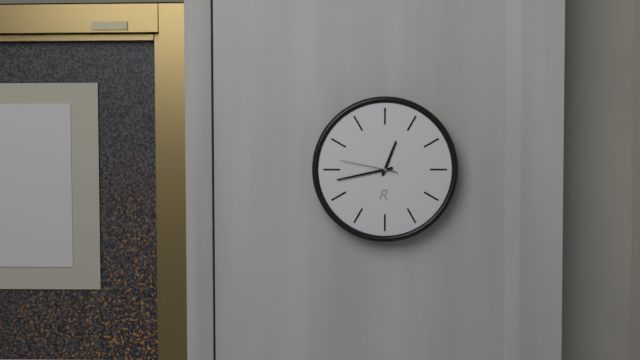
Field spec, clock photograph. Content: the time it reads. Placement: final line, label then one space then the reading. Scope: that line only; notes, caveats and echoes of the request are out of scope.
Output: 12:43:47
